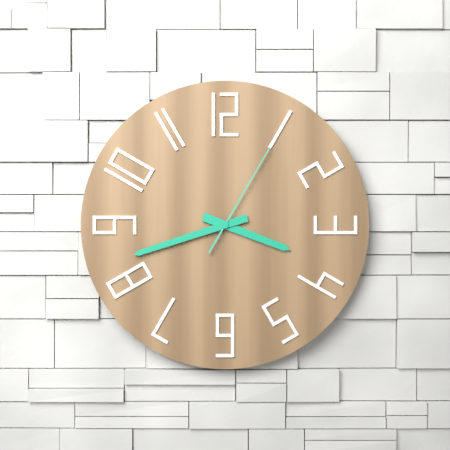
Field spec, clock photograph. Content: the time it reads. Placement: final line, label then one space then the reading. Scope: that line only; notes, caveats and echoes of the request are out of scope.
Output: 3:42:05
